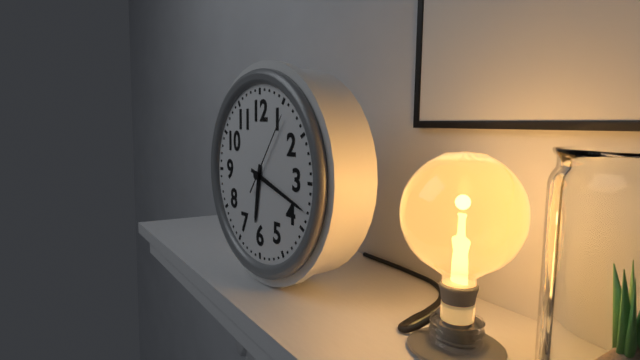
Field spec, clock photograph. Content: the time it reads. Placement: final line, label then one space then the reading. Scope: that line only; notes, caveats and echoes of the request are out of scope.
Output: 6:18:06
